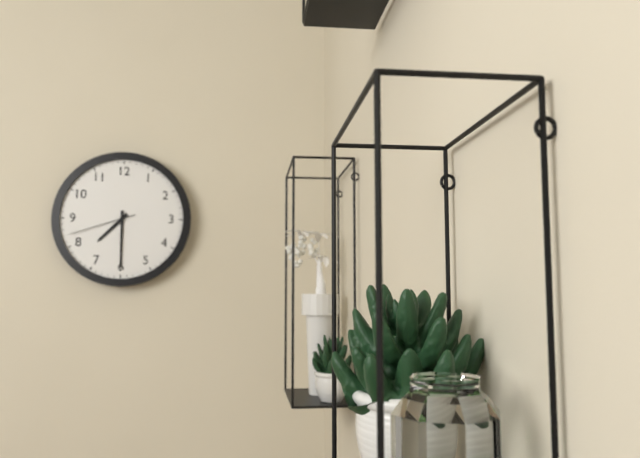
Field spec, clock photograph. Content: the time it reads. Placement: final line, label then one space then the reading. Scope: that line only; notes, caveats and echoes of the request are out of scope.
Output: 7:30:42
